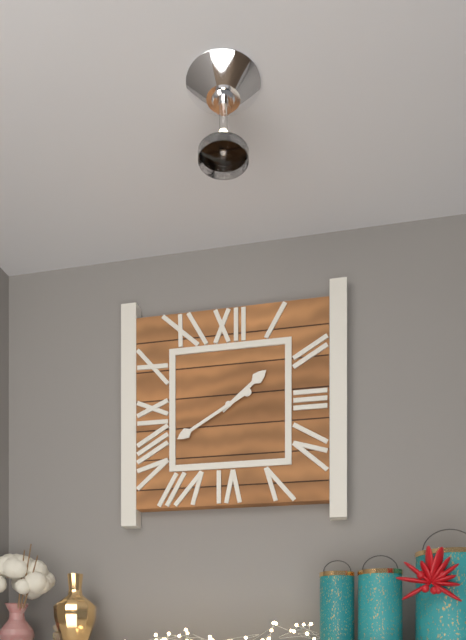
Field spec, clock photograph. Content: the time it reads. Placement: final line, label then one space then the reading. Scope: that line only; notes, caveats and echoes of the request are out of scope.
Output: 1:40
